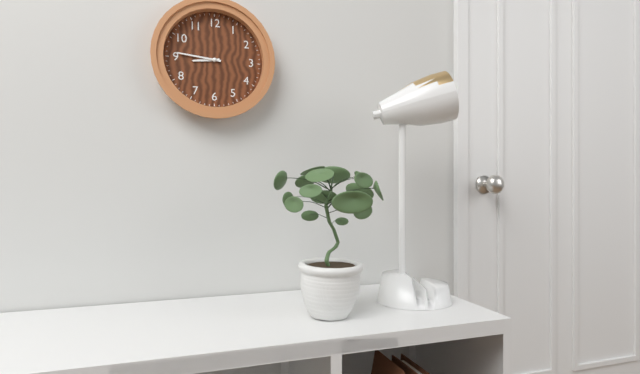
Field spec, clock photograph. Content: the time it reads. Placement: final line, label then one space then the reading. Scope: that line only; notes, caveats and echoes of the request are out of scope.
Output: 8:46
